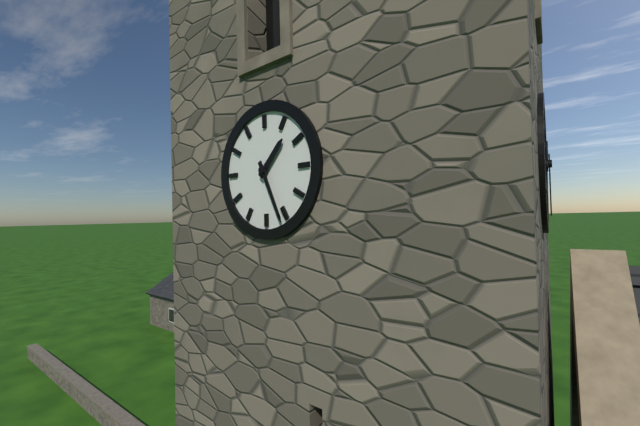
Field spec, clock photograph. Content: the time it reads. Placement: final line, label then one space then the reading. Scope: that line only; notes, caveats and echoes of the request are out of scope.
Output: 1:26
